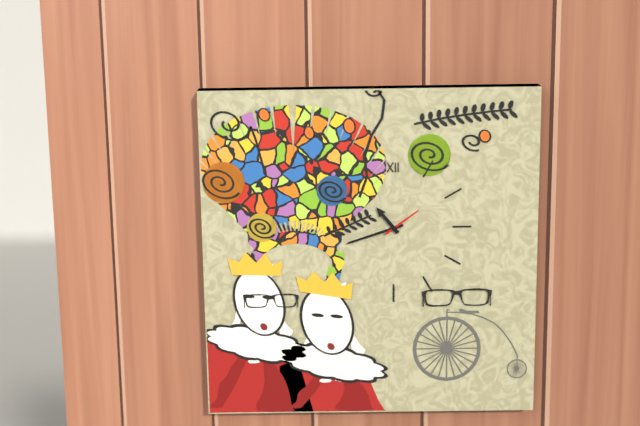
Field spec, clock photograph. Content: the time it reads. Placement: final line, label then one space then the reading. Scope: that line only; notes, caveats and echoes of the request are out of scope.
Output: 10:42
